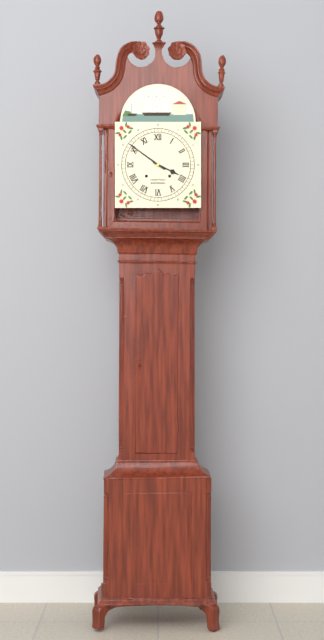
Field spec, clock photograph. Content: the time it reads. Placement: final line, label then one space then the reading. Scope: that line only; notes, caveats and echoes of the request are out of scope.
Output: 3:51
